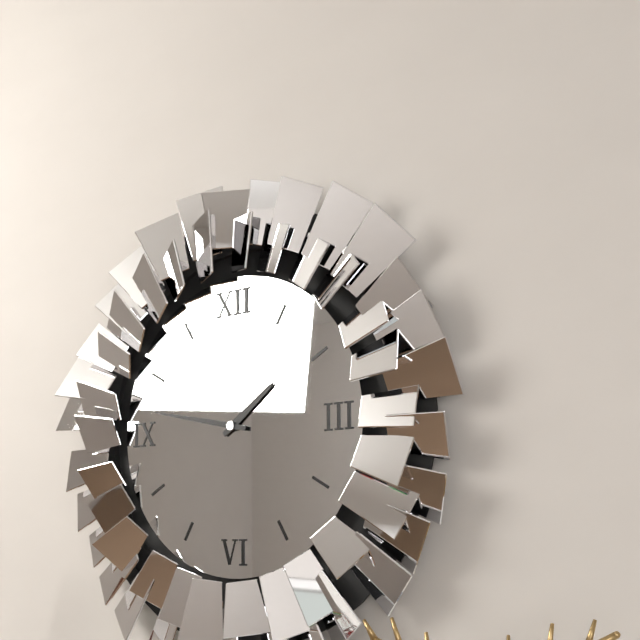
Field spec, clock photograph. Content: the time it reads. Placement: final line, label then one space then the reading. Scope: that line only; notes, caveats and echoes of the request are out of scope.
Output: 1:47
